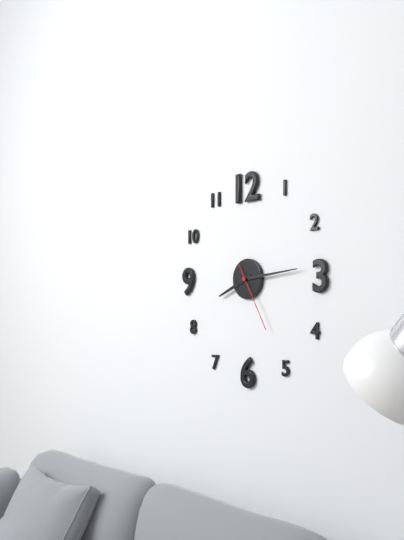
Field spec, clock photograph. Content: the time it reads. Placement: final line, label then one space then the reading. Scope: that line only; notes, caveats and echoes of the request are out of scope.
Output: 8:14:25
